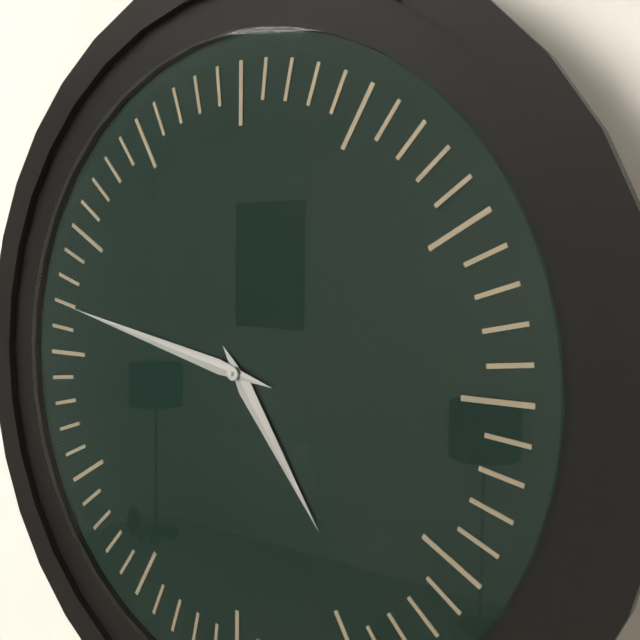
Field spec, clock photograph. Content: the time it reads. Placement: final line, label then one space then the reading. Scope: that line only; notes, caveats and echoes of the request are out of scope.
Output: 4:47
